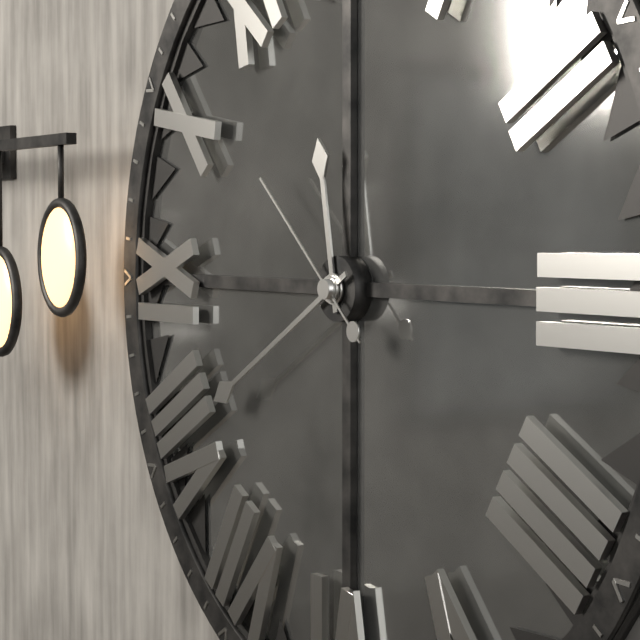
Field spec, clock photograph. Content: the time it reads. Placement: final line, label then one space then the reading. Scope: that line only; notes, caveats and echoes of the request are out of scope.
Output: 11:40:52
